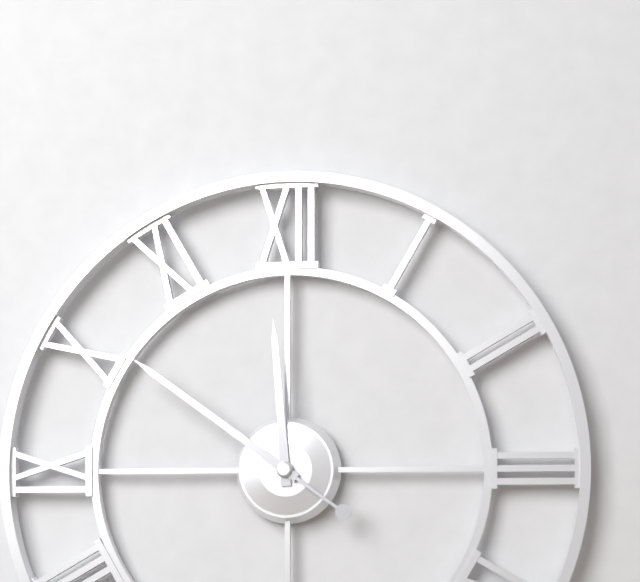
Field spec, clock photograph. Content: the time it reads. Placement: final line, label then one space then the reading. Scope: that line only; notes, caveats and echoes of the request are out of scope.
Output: 11:51
